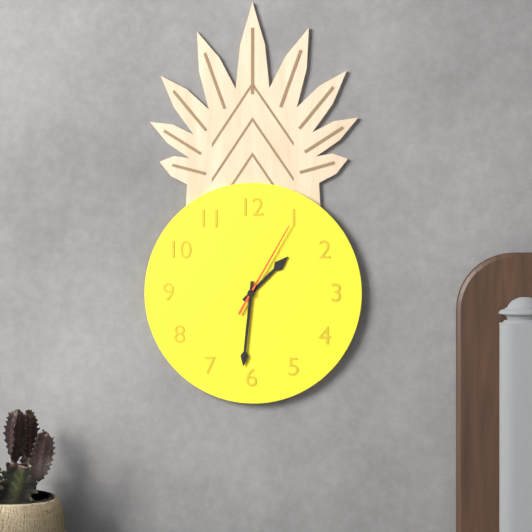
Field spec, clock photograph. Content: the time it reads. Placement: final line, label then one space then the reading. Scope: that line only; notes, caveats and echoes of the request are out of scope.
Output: 1:31:05
